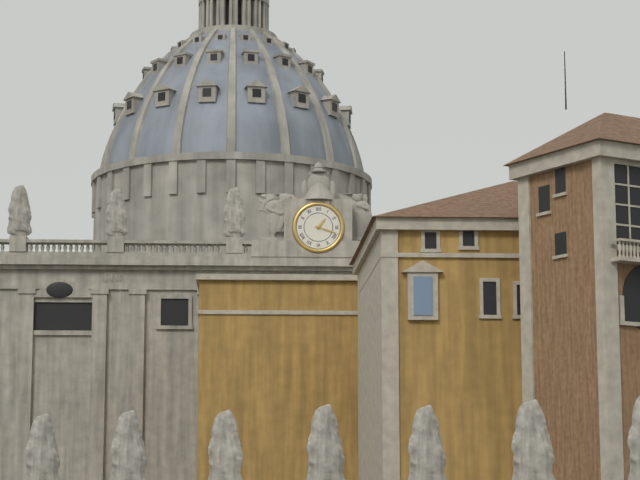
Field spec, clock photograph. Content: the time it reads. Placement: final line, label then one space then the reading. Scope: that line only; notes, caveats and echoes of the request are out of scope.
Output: 1:18
